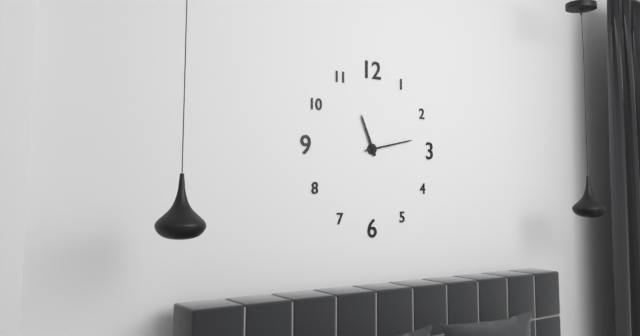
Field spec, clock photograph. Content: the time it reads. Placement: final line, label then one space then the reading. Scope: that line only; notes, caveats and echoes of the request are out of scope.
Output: 11:13
